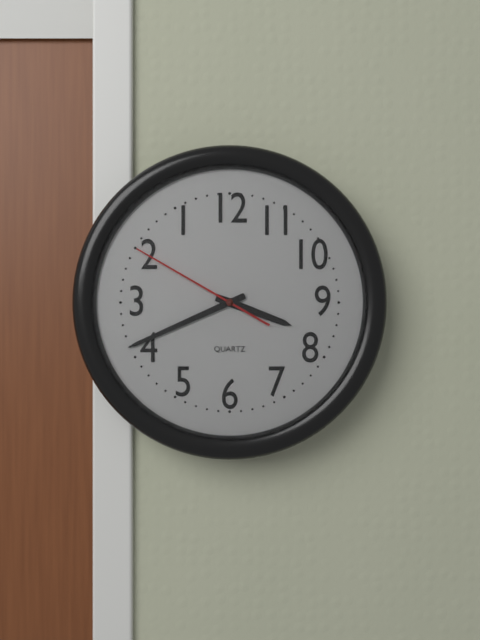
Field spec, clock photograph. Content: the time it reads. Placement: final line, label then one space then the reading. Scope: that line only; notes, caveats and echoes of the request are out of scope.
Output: 3:41:50
